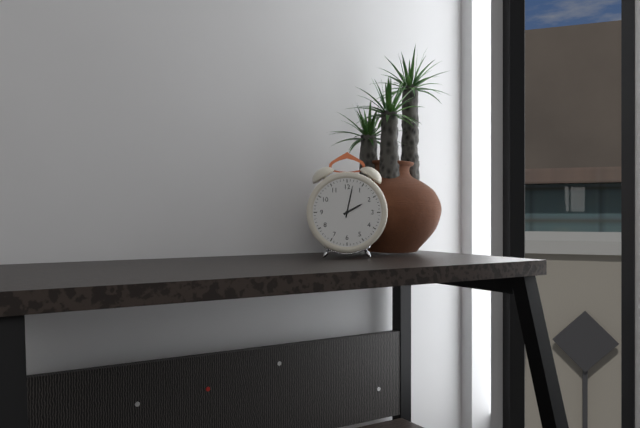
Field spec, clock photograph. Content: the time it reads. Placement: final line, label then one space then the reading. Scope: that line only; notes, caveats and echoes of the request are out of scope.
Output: 2:02
